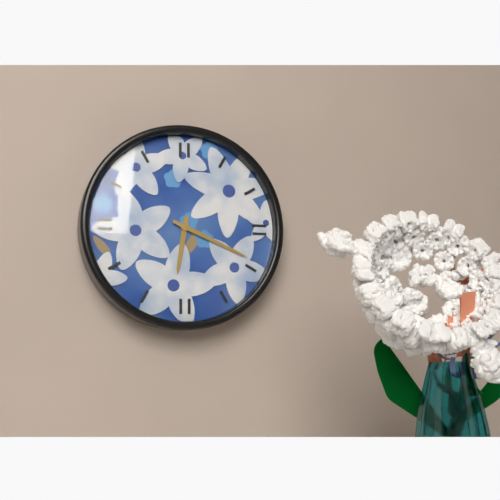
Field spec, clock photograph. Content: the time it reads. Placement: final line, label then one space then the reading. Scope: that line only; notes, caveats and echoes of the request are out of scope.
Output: 6:19
